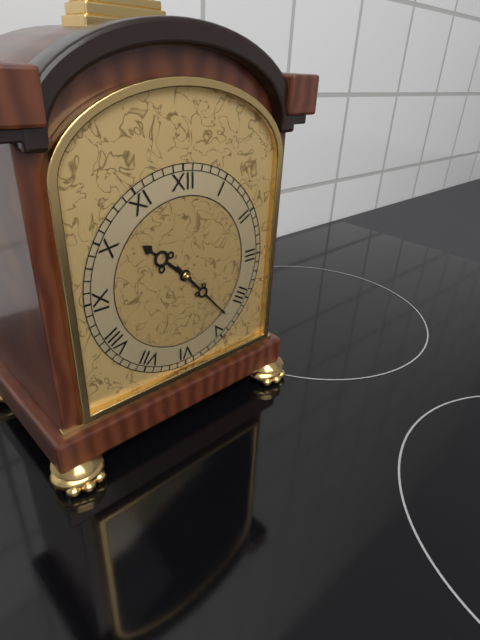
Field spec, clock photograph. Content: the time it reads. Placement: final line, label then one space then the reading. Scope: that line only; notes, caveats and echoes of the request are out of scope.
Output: 10:23
